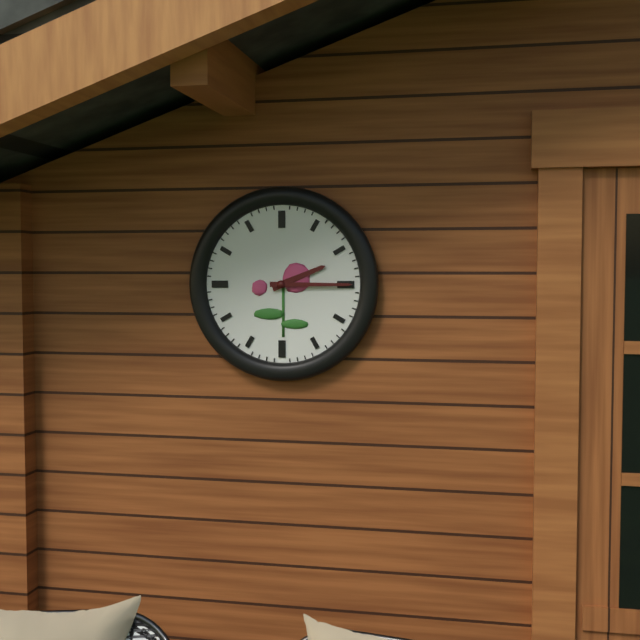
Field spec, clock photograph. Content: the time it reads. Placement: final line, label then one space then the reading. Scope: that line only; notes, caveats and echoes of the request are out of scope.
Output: 2:15
